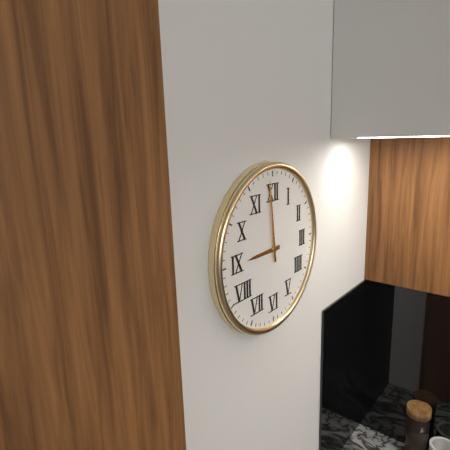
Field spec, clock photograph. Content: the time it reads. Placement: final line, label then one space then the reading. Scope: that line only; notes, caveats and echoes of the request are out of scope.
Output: 8:59
